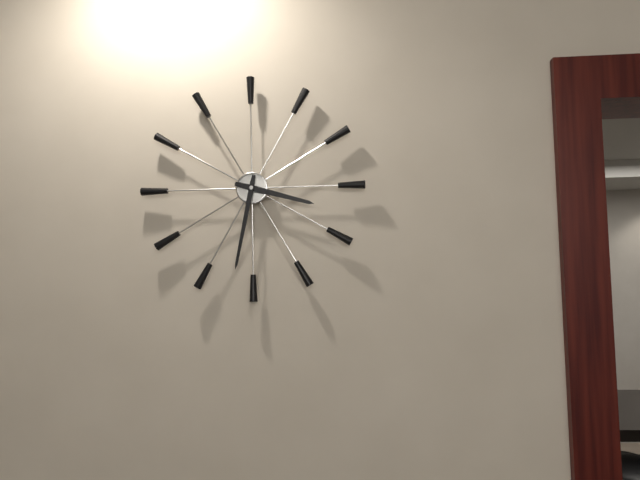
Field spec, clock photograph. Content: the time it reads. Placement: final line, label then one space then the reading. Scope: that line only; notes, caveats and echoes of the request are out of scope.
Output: 3:32
